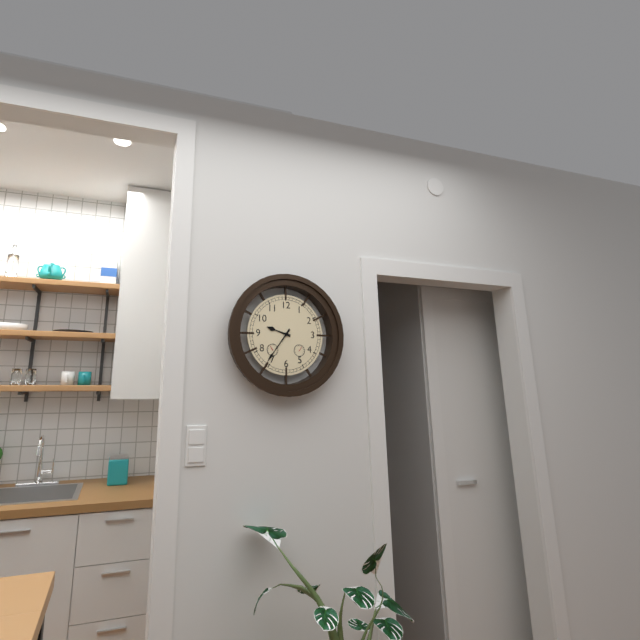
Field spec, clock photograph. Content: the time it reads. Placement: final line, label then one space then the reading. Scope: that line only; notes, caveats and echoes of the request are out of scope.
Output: 9:36
